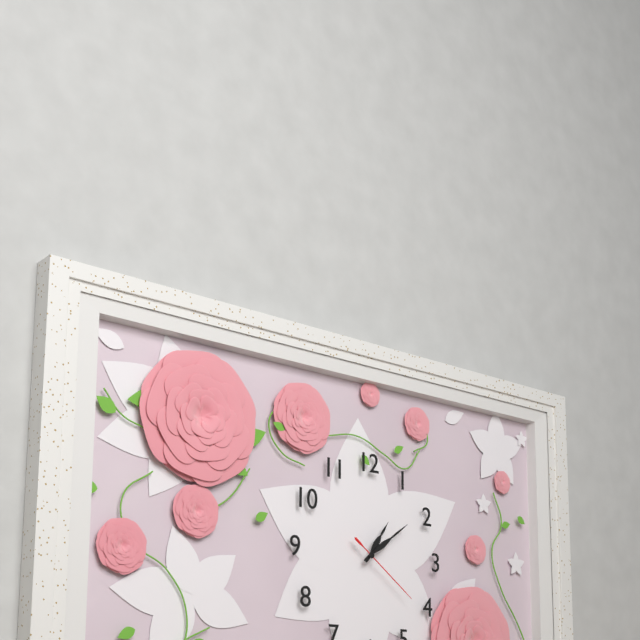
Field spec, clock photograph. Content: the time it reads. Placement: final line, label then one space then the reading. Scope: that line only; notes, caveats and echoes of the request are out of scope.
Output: 1:09:21
